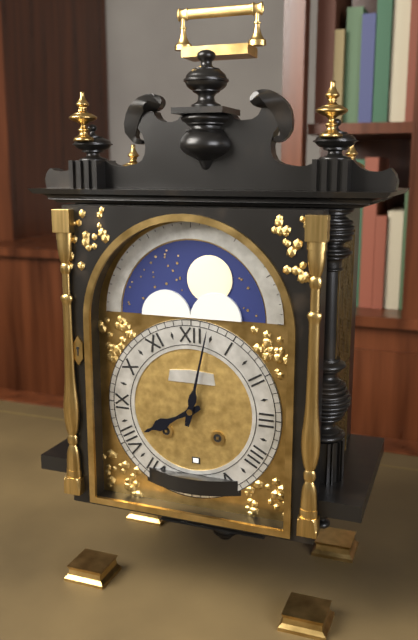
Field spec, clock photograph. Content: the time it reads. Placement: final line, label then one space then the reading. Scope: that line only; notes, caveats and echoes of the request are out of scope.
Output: 8:02
